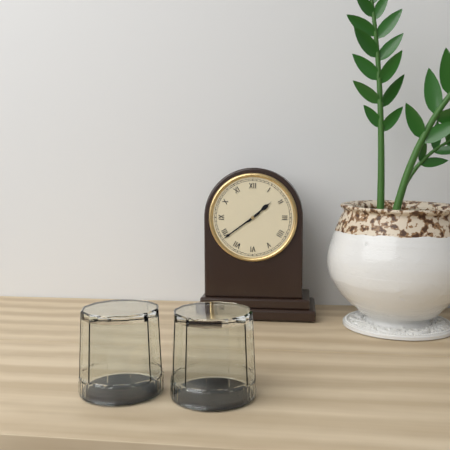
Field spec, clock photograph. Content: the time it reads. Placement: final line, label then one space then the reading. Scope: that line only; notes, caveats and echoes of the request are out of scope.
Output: 1:39
